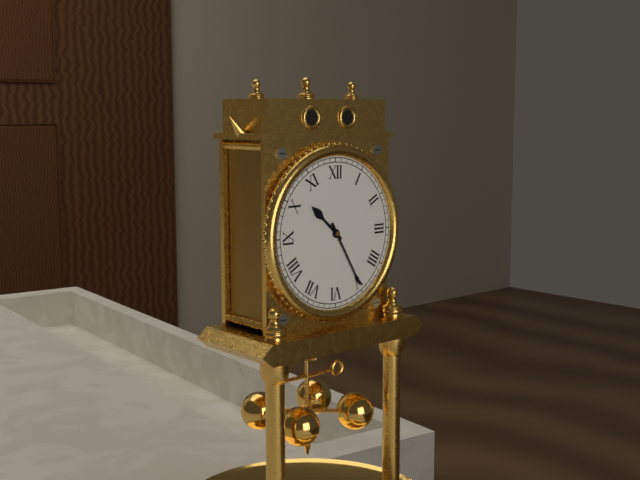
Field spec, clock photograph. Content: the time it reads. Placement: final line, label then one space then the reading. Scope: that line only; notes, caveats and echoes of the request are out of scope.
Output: 10:25
